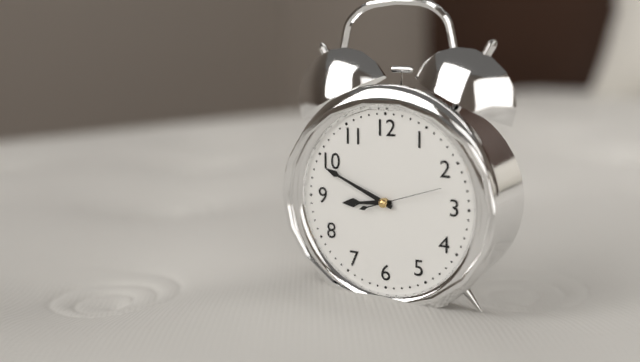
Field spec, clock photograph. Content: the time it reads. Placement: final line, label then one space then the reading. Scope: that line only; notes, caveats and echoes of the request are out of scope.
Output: 8:49:12
